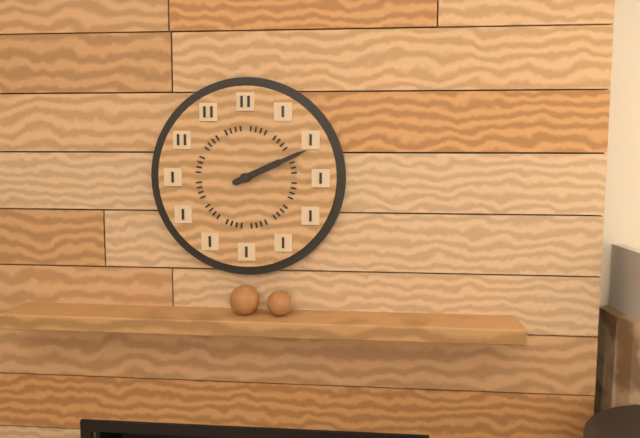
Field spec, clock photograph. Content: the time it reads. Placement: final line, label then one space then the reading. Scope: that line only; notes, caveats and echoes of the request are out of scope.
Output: 2:11
